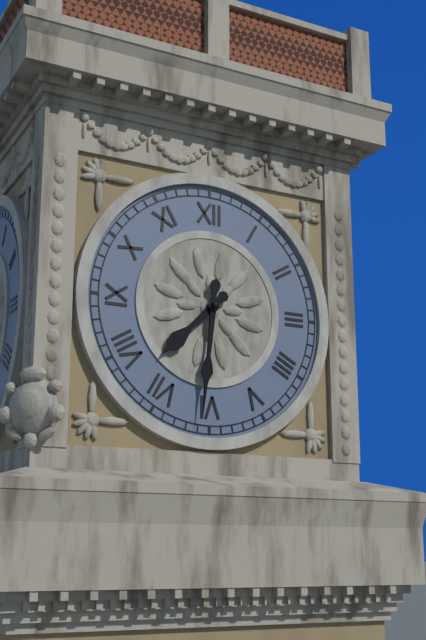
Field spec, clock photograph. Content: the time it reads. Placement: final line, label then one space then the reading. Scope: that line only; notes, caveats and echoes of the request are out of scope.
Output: 7:31
